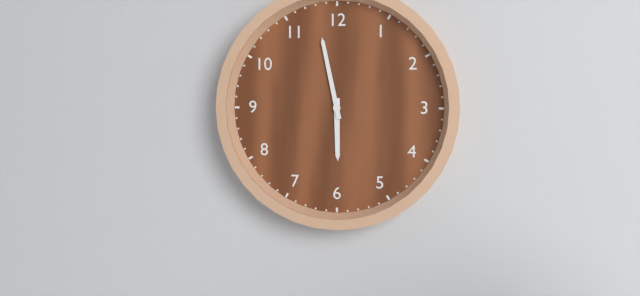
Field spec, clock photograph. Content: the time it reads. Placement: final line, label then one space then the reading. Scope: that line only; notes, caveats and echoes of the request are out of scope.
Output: 5:58
